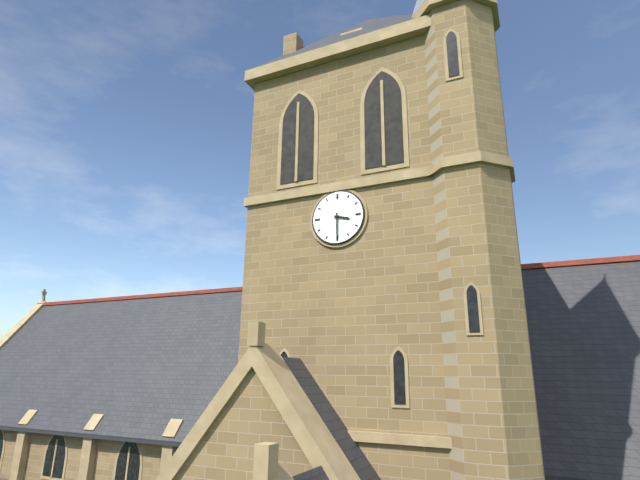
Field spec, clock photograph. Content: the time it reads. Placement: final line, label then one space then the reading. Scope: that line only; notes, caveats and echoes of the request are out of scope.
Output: 3:30
